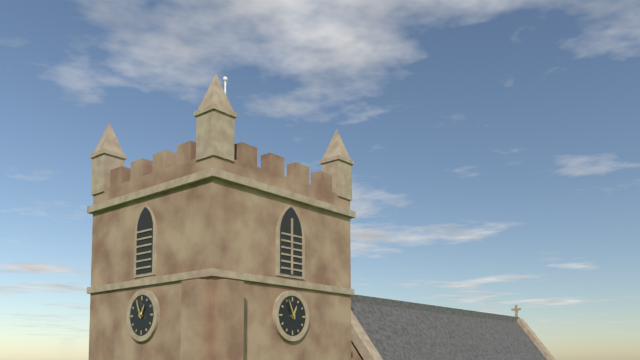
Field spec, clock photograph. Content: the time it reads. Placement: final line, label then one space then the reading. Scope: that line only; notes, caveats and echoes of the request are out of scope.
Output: 12:56
